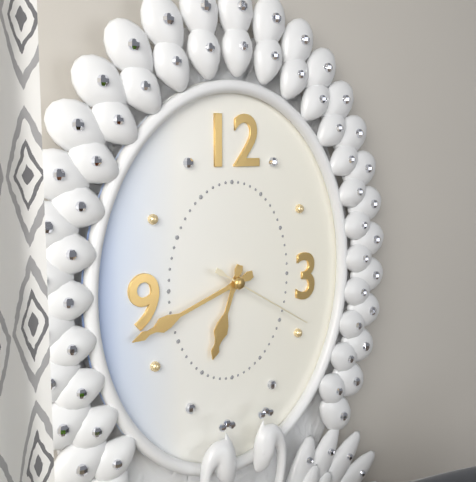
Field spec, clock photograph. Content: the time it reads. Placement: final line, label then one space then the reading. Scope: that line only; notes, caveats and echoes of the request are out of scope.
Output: 6:42:20
